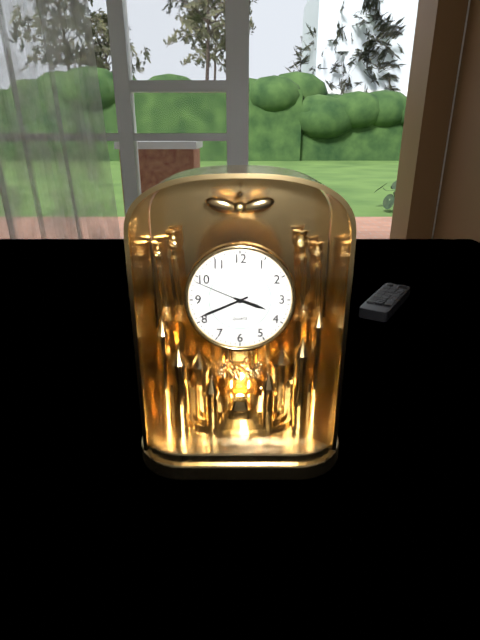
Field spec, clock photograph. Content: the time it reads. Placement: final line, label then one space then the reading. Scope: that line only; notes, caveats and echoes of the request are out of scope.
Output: 3:41:49
